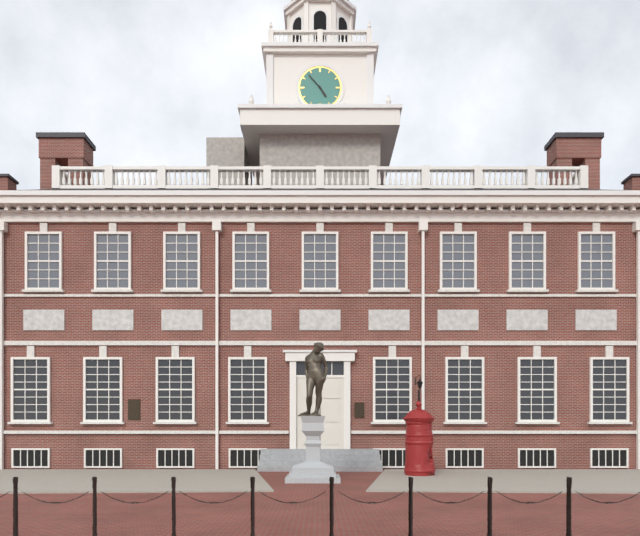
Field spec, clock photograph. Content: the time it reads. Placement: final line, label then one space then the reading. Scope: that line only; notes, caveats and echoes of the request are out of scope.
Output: 4:53
